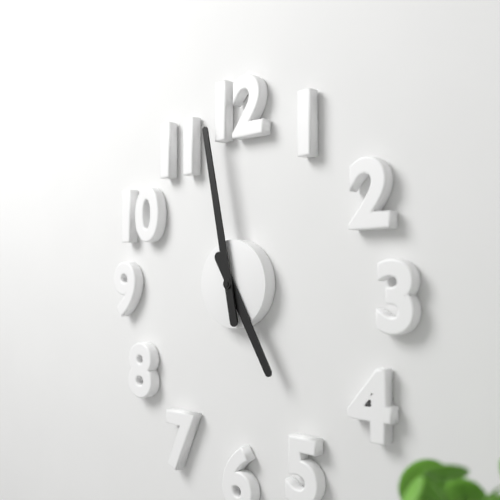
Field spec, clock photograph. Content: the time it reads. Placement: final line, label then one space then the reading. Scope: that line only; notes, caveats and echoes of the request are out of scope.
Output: 4:58
